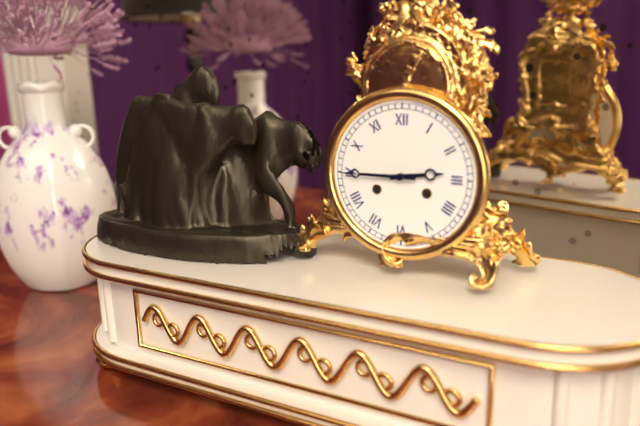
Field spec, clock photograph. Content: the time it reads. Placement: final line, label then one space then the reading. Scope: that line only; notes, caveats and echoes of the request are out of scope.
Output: 2:45
